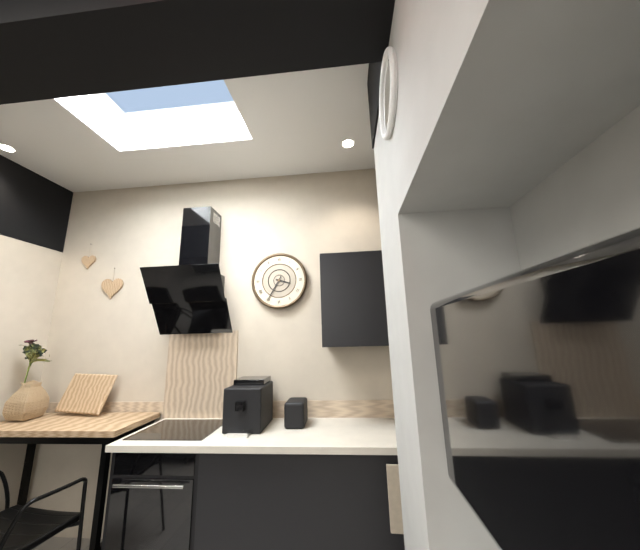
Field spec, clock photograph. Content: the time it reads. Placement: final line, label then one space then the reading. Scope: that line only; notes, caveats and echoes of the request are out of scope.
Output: 3:35
